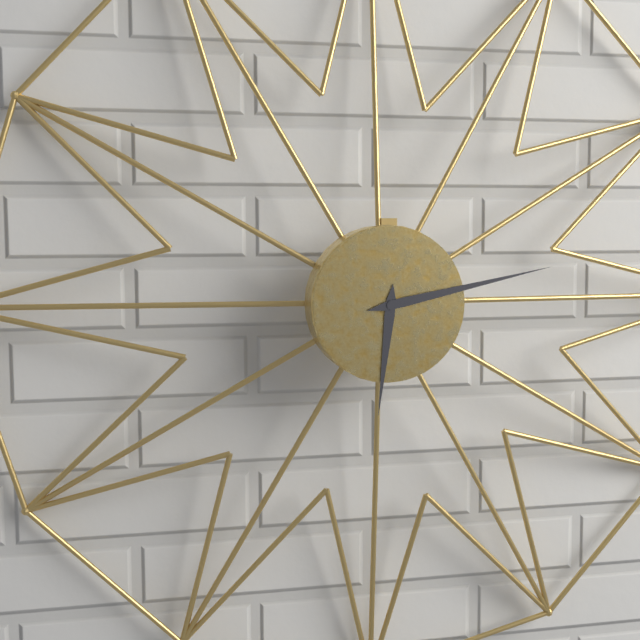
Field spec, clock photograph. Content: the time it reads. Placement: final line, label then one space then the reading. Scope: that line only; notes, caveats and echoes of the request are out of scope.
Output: 6:13
